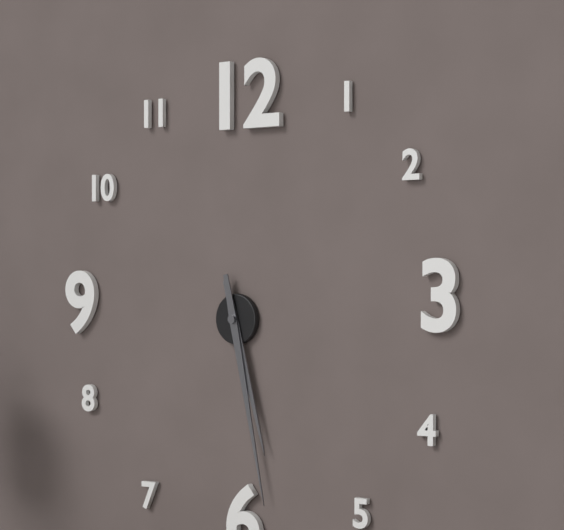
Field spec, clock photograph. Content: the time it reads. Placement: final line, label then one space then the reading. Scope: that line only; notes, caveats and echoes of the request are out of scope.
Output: 5:28
